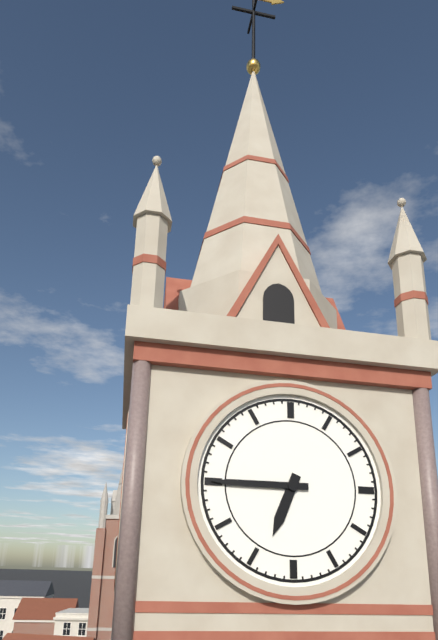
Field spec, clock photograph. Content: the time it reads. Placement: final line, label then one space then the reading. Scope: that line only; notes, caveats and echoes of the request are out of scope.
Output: 6:45
